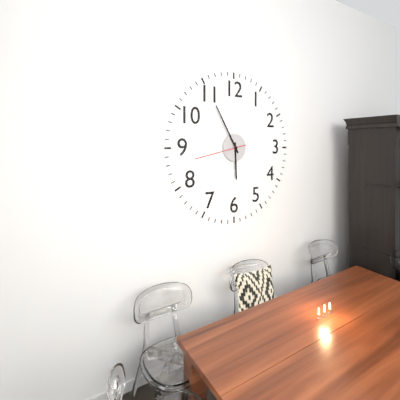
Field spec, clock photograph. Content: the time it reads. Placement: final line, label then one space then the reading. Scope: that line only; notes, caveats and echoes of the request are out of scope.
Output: 5:55:43
